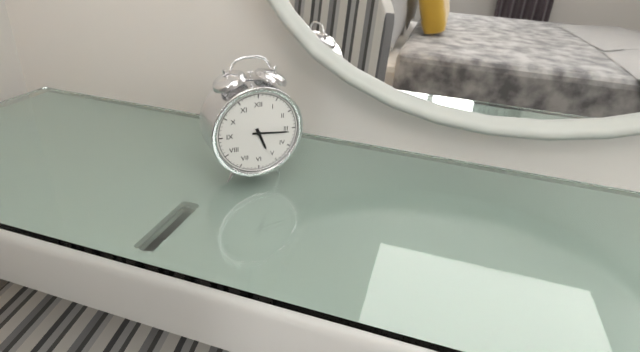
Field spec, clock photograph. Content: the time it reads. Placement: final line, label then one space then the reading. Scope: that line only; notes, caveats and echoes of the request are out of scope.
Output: 5:16
